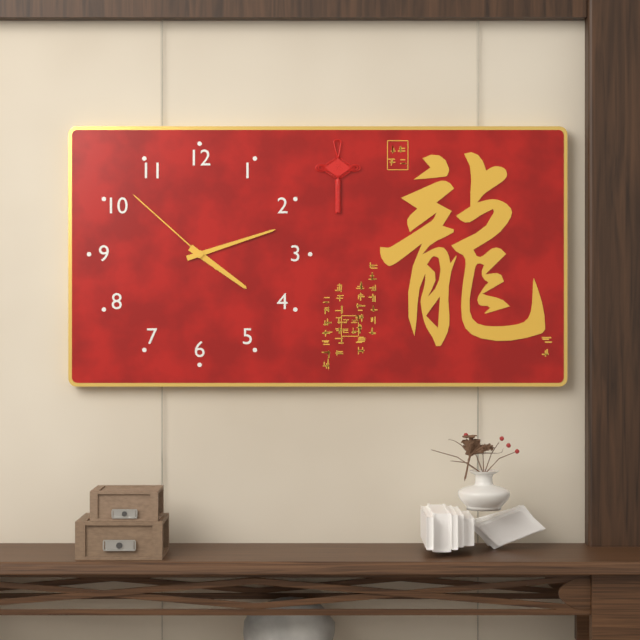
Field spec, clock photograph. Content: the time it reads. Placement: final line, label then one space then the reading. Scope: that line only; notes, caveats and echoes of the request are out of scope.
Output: 4:12:52
